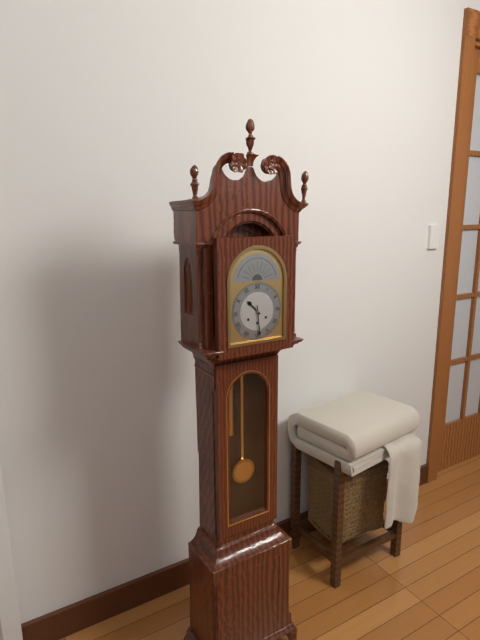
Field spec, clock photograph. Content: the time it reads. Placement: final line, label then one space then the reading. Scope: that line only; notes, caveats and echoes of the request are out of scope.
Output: 10:29
